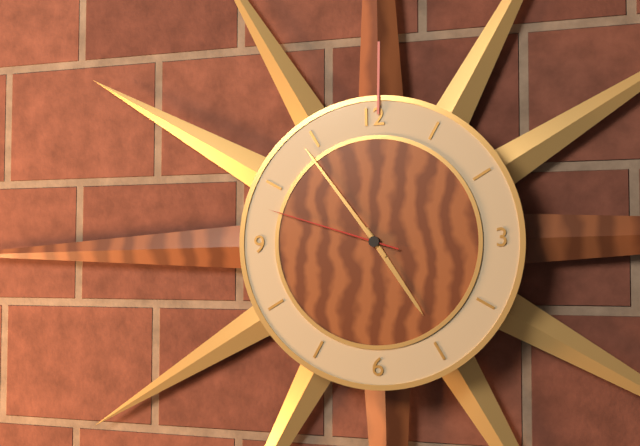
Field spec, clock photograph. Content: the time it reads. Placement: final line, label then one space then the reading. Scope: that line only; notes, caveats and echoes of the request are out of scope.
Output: 4:54:48
